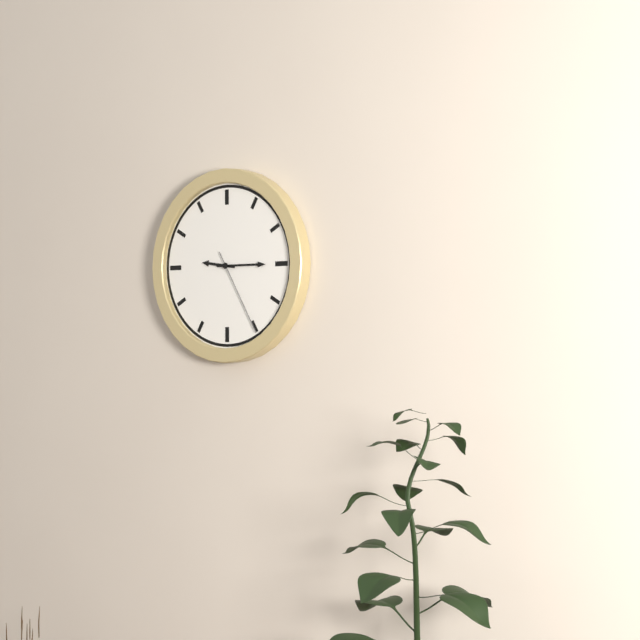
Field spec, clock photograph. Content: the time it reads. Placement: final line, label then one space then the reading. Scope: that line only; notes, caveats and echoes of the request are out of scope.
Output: 9:15:25
